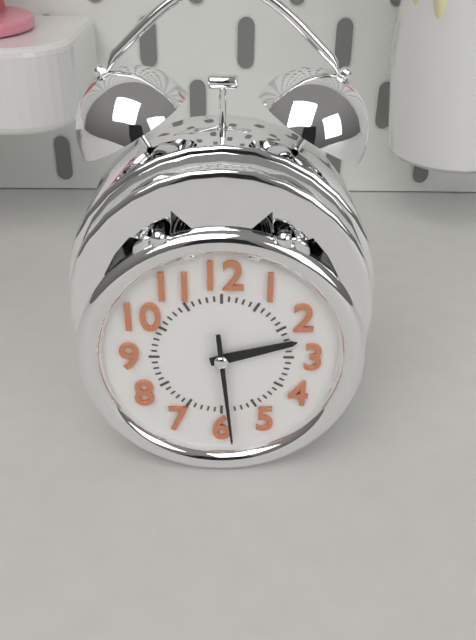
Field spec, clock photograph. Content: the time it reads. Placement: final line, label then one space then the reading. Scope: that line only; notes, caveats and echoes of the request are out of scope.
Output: 2:29
